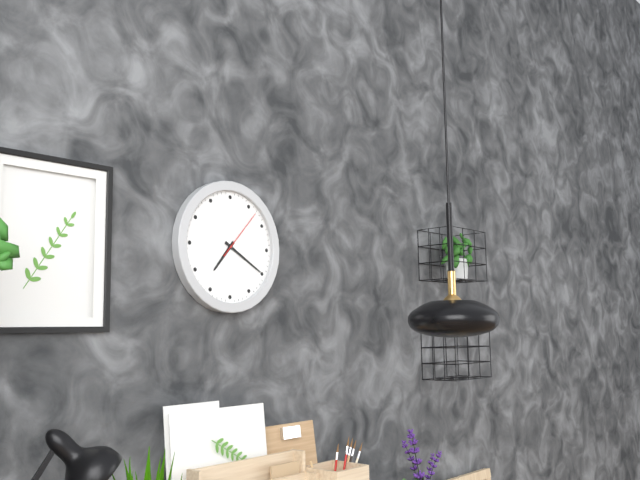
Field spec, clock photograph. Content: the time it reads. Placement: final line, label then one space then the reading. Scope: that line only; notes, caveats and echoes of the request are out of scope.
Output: 7:20:07
